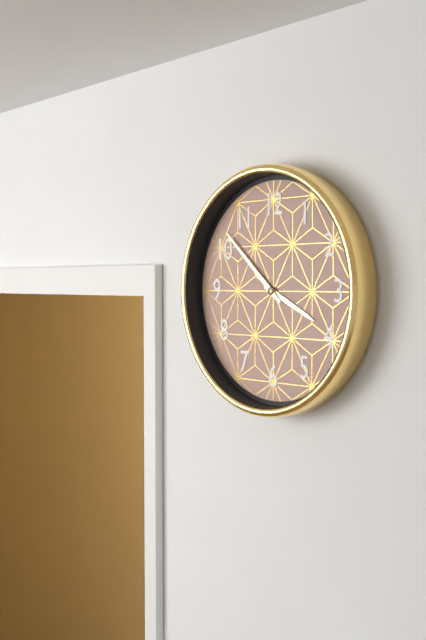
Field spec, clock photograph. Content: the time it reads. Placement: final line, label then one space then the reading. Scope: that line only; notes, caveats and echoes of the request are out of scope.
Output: 3:52
